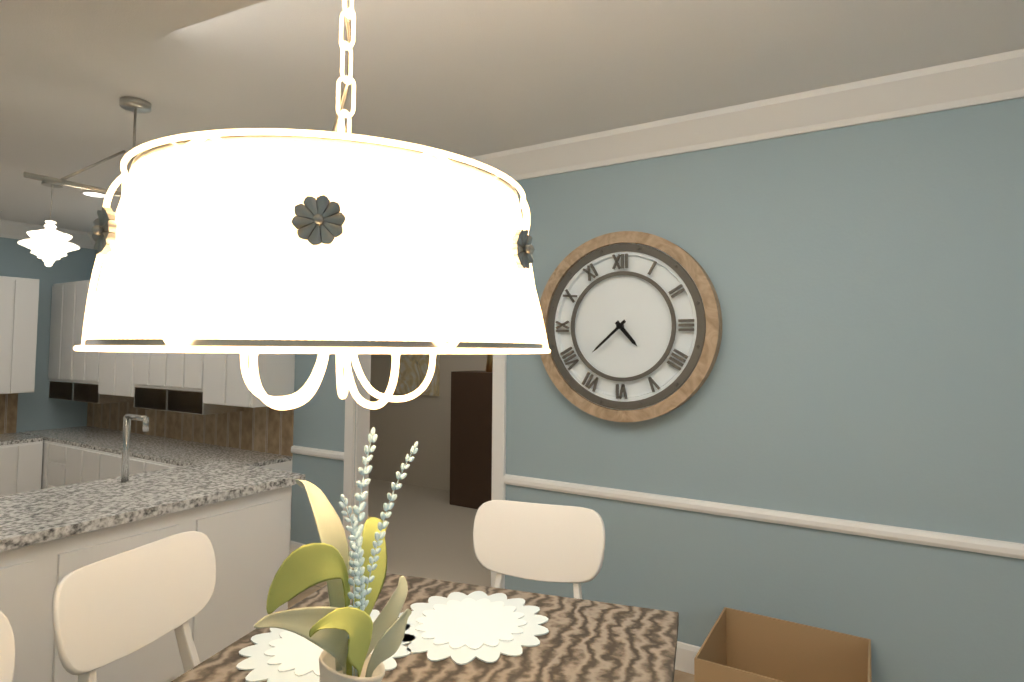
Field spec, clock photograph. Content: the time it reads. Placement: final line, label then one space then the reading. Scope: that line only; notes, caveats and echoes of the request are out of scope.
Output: 4:38
